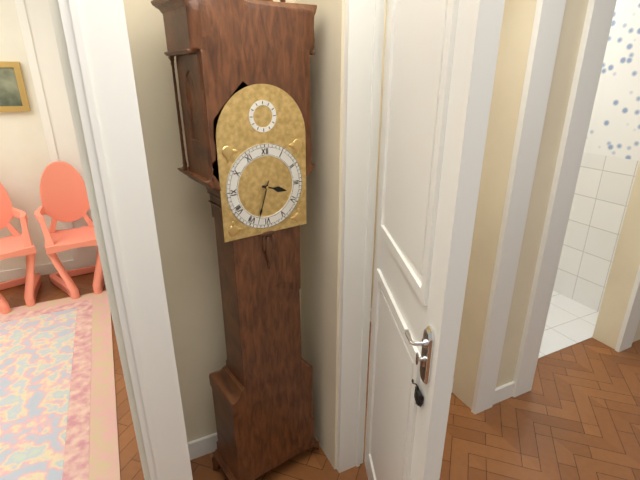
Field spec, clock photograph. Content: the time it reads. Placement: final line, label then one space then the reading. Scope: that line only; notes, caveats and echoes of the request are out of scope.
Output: 3:33
